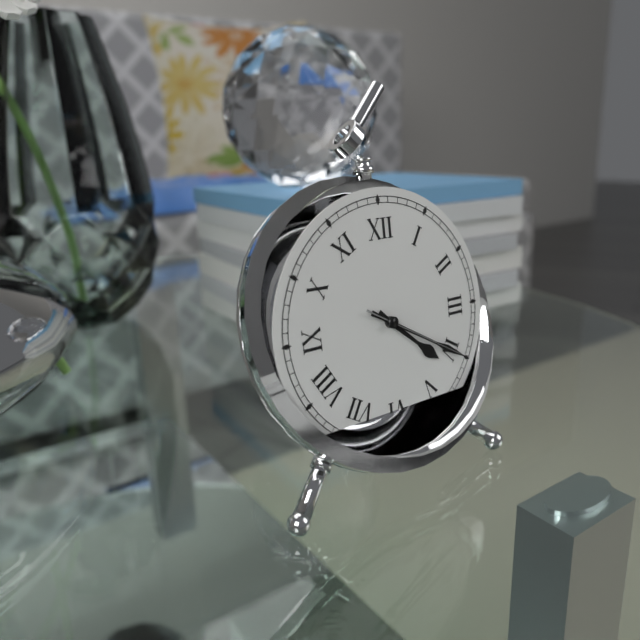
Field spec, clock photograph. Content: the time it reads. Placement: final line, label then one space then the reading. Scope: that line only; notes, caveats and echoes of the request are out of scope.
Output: 4:20:20
